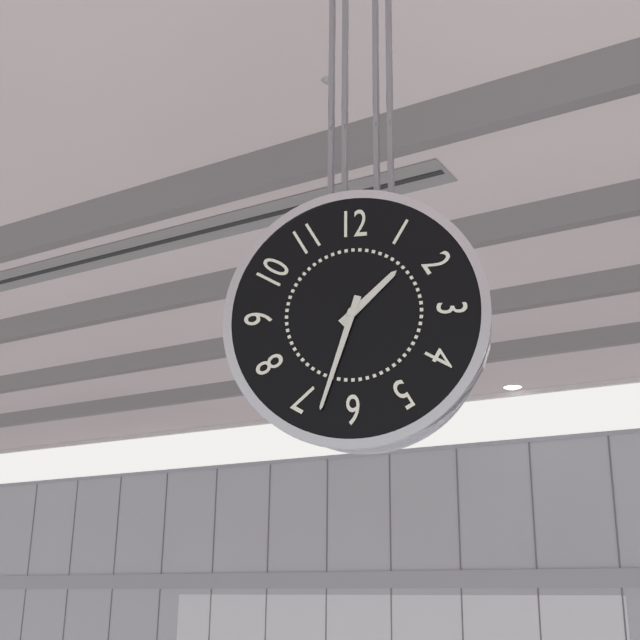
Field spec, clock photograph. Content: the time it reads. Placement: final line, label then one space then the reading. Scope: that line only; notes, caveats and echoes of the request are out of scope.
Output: 1:33
